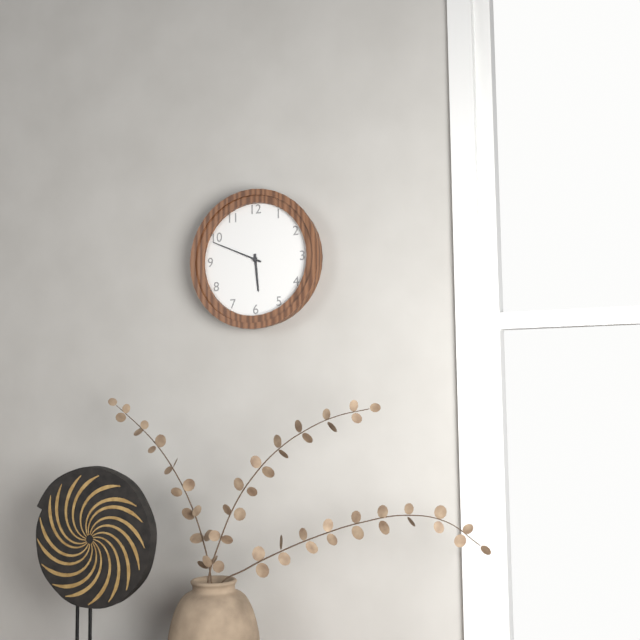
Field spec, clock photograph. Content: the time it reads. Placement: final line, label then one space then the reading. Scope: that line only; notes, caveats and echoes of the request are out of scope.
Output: 5:49
